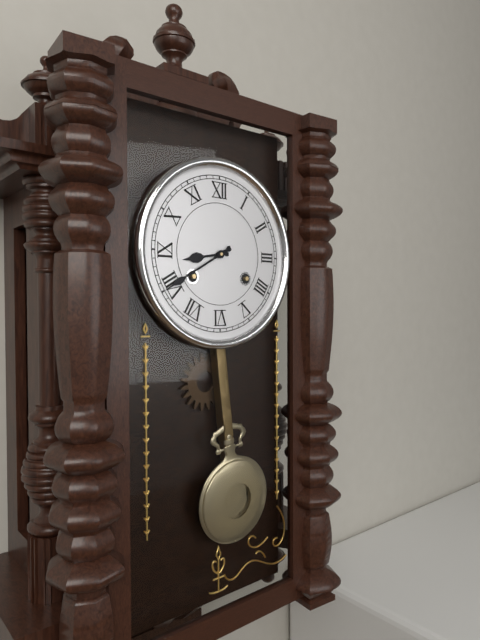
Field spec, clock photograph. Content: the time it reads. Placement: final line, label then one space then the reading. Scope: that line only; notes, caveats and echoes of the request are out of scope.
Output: 8:40
